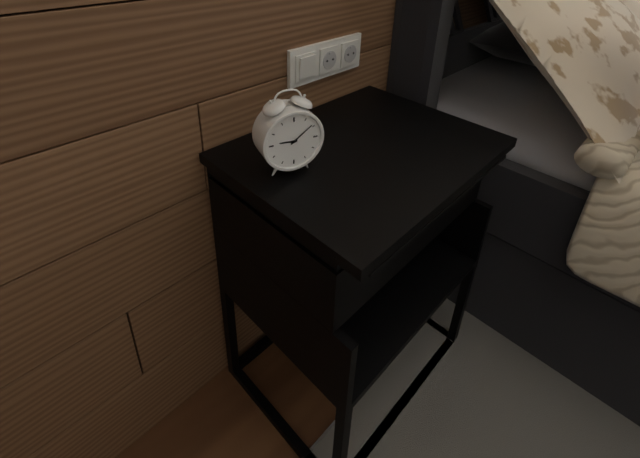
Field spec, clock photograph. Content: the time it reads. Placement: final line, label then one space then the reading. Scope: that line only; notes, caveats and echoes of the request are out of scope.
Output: 9:09
